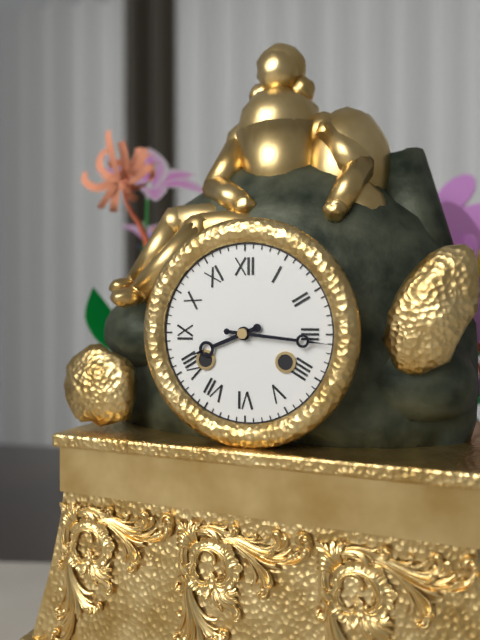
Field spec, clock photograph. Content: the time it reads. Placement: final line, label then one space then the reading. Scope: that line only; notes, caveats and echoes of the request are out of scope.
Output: 8:16
